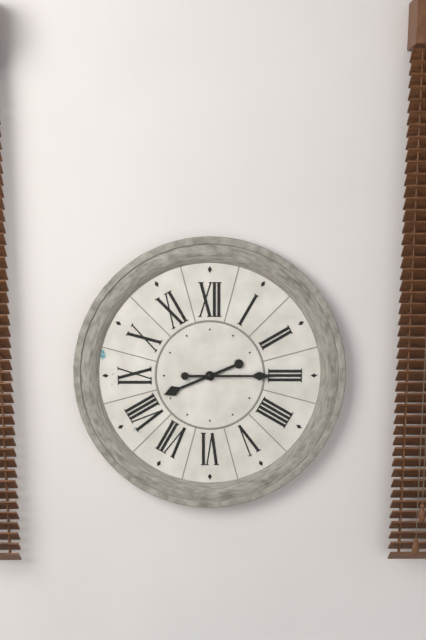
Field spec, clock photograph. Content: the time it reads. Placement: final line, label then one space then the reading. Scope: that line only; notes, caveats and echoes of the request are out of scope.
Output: 8:15
